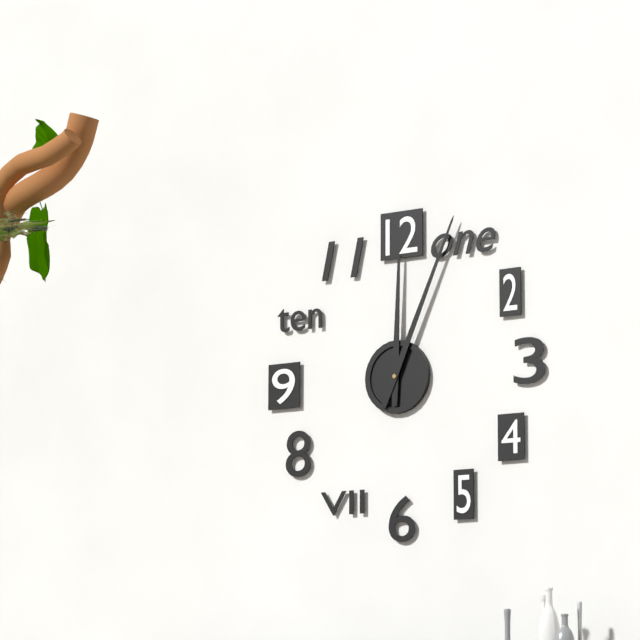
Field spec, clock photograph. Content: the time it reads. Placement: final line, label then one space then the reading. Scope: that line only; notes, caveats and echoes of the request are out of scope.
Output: 12:04
